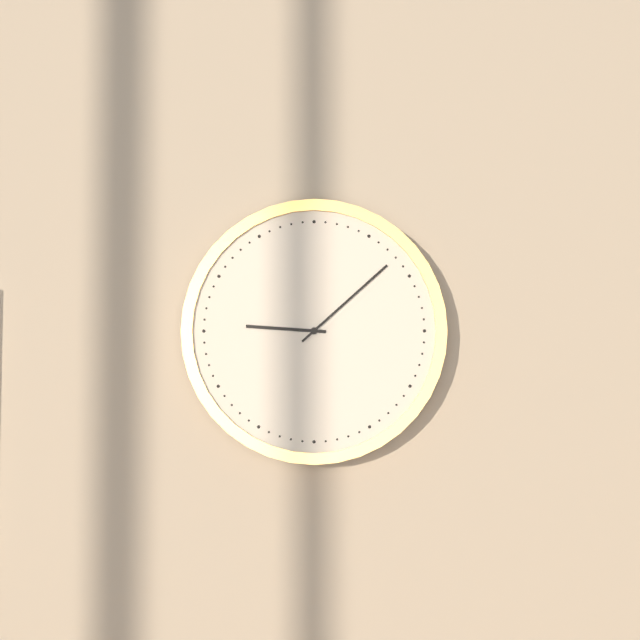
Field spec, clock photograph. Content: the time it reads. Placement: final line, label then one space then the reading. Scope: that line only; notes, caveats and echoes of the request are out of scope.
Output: 9:08
